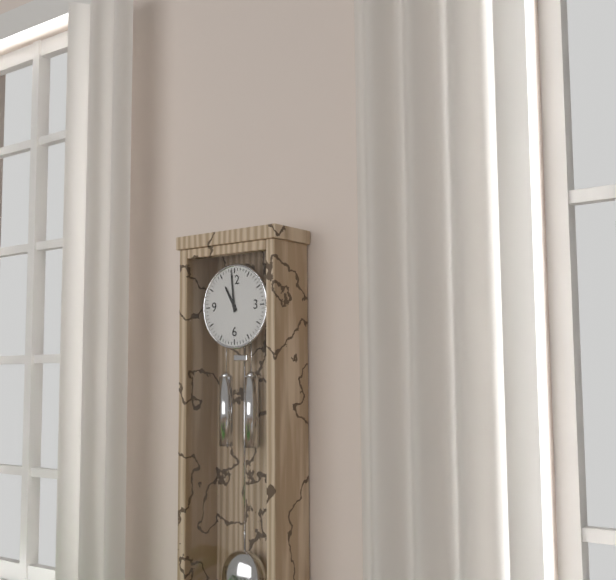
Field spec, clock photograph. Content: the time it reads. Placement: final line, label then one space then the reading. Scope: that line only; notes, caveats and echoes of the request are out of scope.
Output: 10:59
